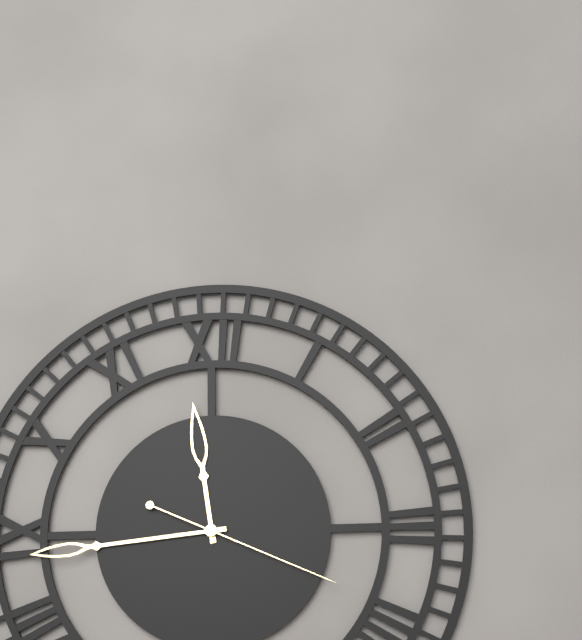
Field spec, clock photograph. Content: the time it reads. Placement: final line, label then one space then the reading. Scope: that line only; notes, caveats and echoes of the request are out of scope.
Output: 11:44:19
